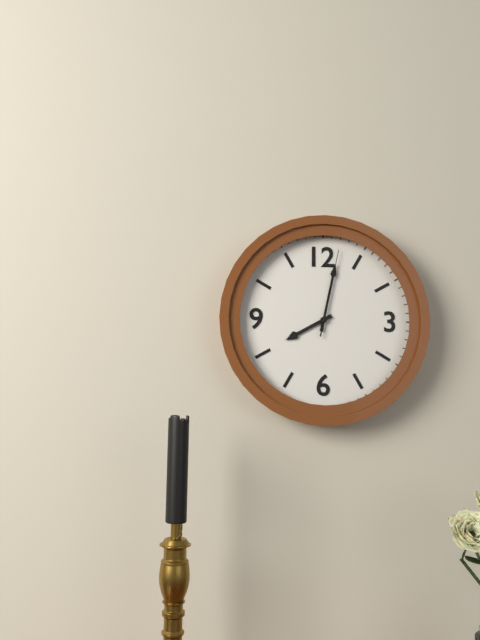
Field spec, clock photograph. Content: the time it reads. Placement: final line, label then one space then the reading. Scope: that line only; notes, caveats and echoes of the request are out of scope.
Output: 8:02:02
